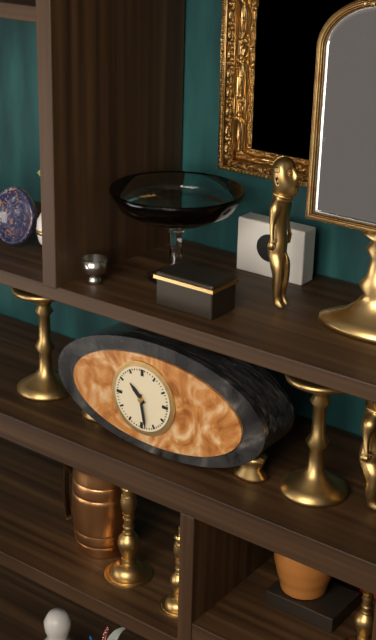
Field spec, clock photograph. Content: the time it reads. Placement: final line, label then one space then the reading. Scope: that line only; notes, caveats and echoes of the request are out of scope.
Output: 10:28
